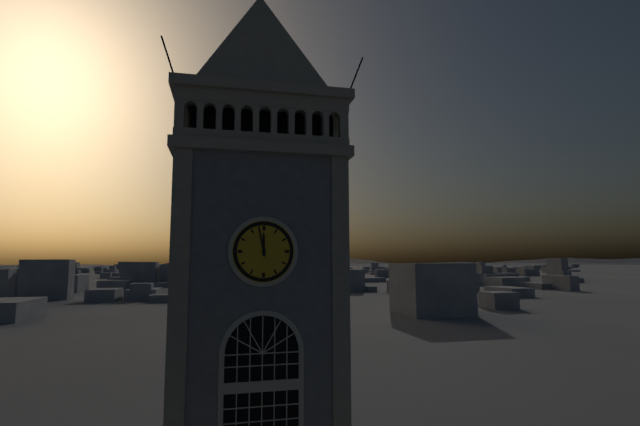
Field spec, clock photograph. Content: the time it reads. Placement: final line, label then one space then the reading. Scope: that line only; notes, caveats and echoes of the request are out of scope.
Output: 11:58
